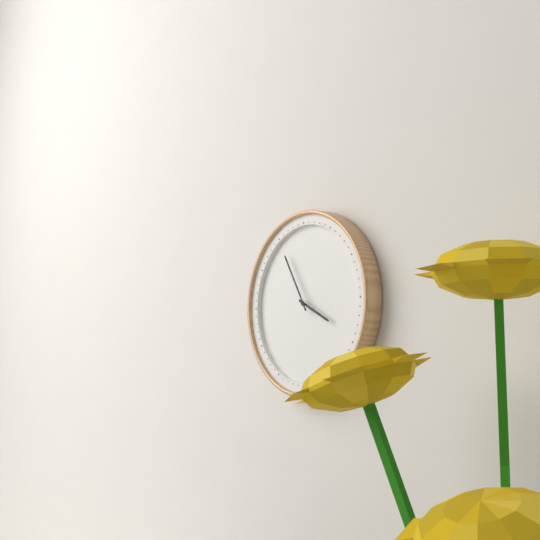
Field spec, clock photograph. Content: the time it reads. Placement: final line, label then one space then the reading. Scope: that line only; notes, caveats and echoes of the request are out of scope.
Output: 3:55
